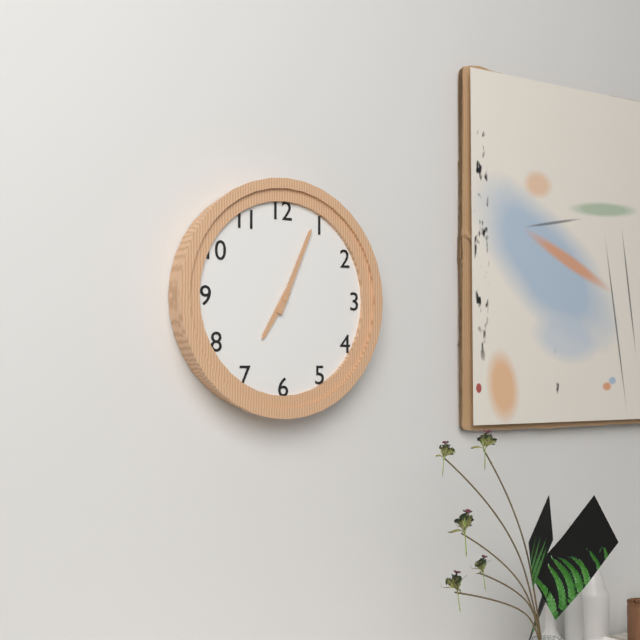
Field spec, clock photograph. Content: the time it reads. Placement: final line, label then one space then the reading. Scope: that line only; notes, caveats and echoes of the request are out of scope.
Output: 7:04
